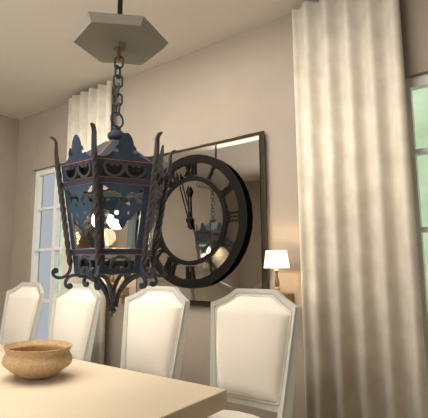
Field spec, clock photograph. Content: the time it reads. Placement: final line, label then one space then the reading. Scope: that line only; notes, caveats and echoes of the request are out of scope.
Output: 11:57
